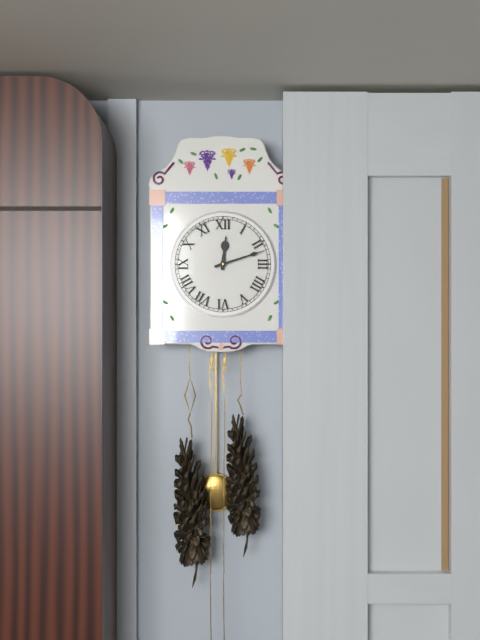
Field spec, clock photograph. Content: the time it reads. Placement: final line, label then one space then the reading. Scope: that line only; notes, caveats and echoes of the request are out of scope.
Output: 12:12
